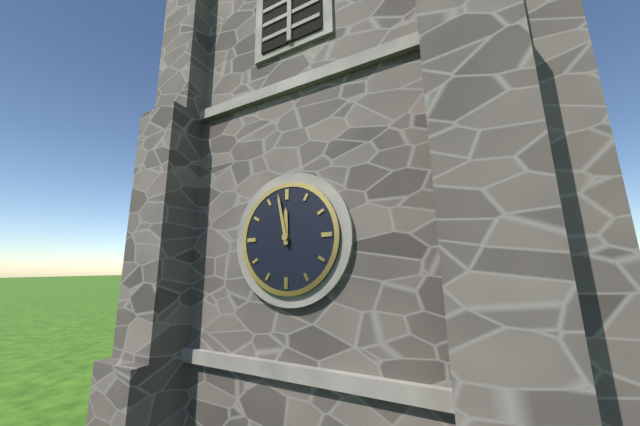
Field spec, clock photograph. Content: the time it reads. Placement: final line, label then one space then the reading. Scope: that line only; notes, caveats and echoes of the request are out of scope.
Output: 11:58
